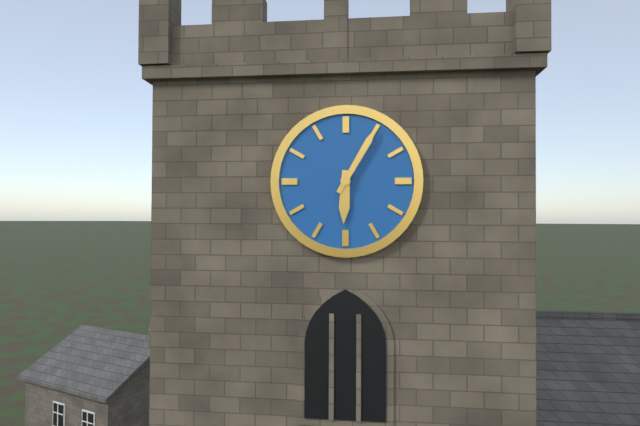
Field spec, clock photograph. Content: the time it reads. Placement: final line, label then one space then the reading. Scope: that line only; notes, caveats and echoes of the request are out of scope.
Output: 6:05
